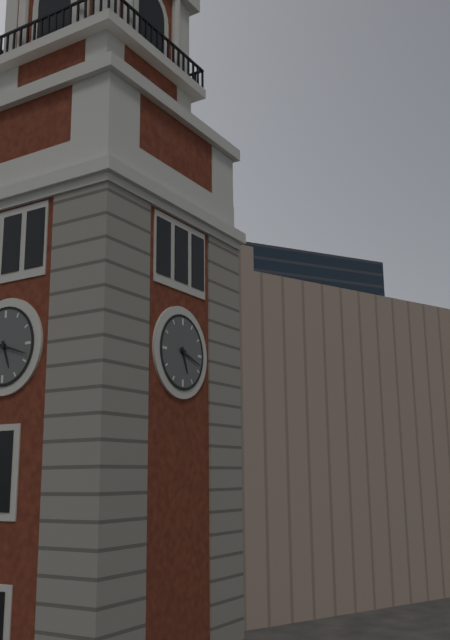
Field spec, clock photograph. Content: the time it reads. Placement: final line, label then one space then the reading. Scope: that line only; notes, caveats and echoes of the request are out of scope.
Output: 5:18
